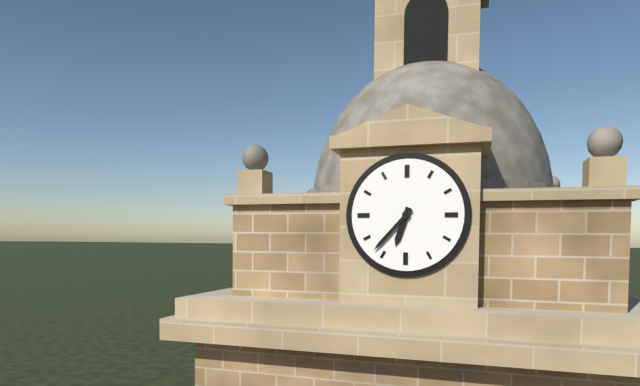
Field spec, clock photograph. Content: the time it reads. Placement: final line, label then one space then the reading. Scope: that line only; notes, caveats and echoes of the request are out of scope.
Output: 6:37
